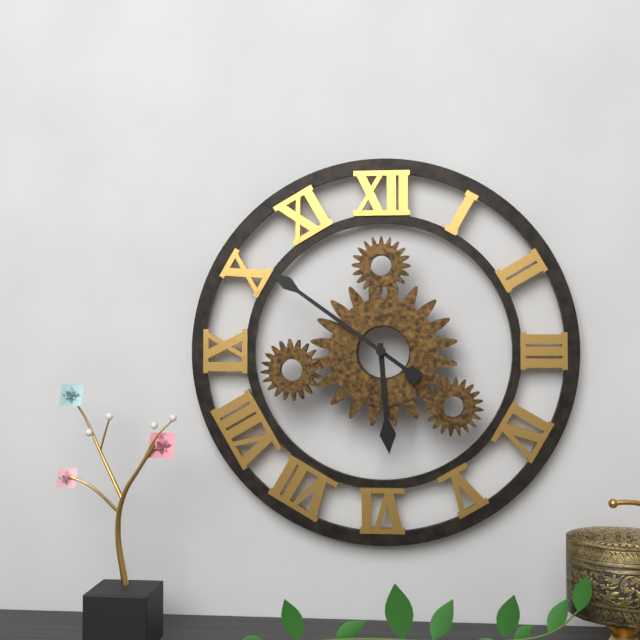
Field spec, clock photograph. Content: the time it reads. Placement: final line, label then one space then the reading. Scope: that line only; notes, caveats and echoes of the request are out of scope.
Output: 5:51
